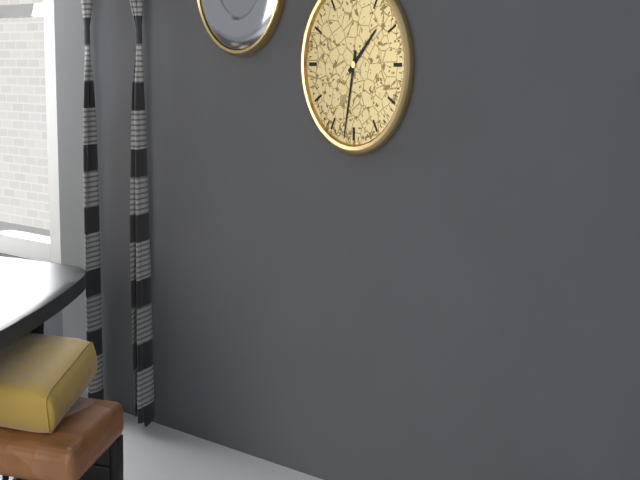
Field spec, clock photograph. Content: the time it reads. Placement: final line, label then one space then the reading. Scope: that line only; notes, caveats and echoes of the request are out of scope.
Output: 1:32
